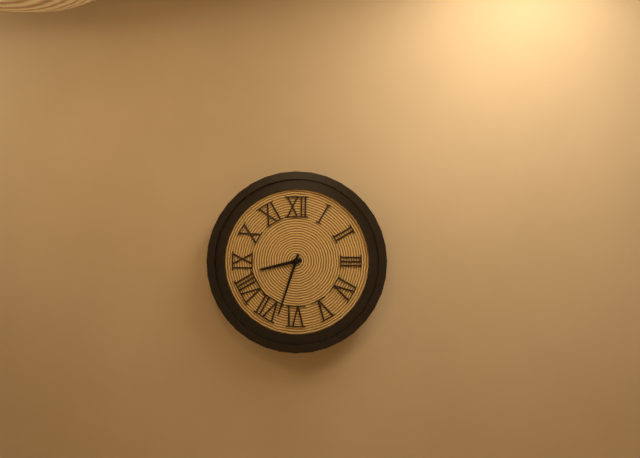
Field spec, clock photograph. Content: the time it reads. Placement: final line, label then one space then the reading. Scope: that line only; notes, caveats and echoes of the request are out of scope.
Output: 8:33
